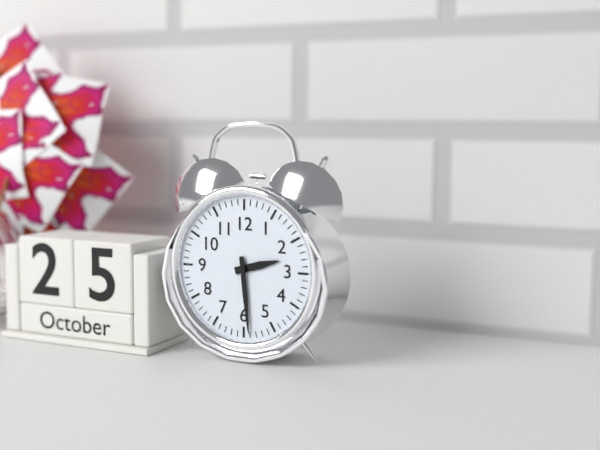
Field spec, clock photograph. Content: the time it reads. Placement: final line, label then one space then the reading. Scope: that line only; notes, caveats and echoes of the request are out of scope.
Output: 2:29
